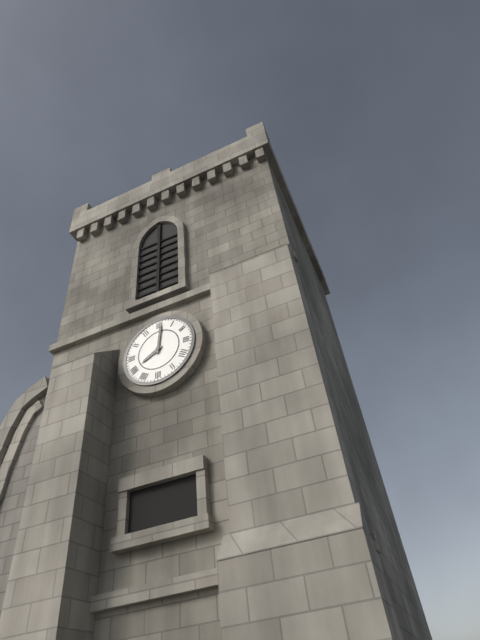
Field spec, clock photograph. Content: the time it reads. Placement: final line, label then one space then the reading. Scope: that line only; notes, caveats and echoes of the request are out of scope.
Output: 8:01
